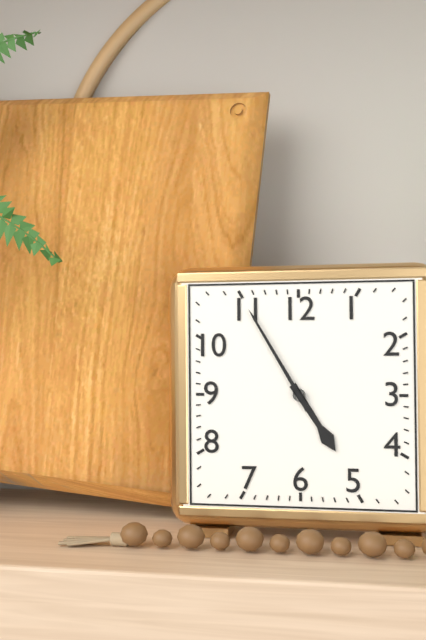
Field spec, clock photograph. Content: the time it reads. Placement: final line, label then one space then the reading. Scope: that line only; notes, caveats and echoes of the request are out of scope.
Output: 4:55
